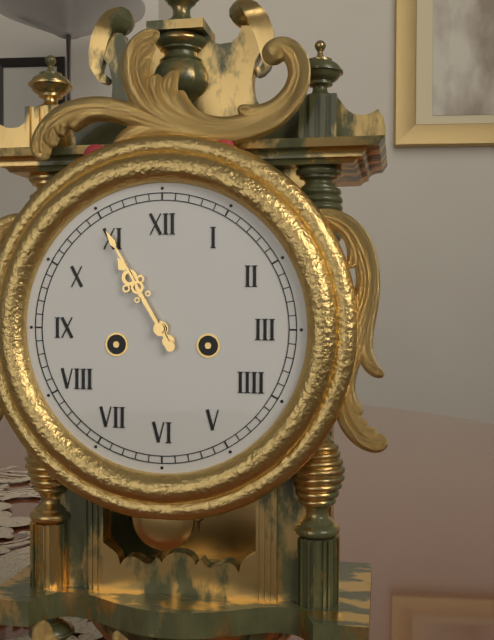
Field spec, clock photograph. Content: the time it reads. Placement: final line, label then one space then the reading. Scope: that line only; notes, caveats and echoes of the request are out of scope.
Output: 10:55
